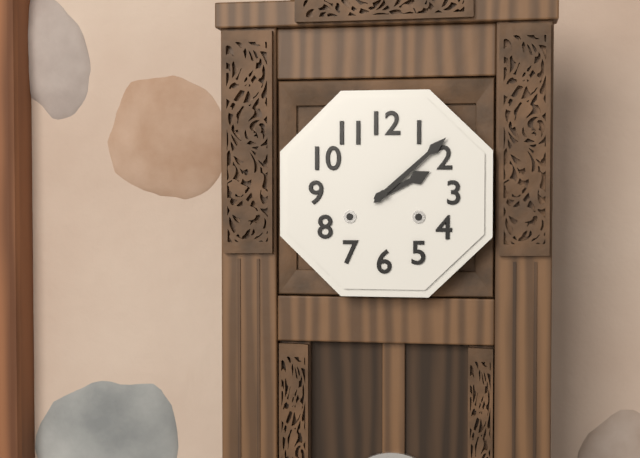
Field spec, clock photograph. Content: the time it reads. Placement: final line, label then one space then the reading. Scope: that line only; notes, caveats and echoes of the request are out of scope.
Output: 2:08
